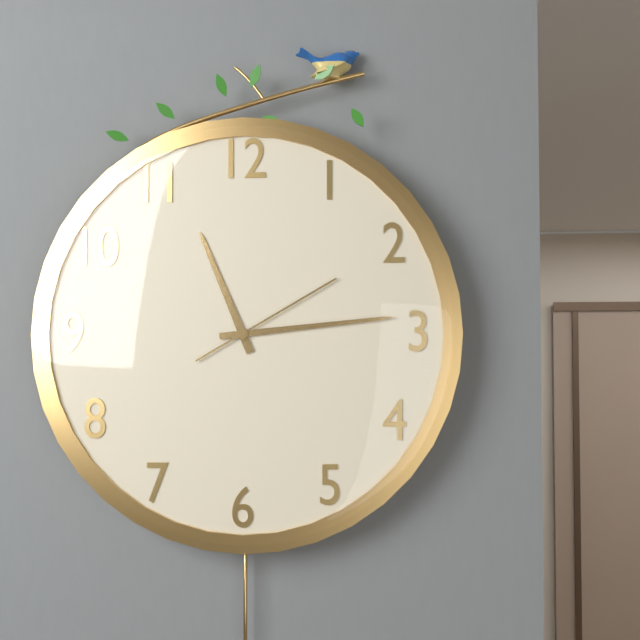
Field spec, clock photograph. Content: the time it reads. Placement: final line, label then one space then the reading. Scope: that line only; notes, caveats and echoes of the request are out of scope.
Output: 11:14:10
